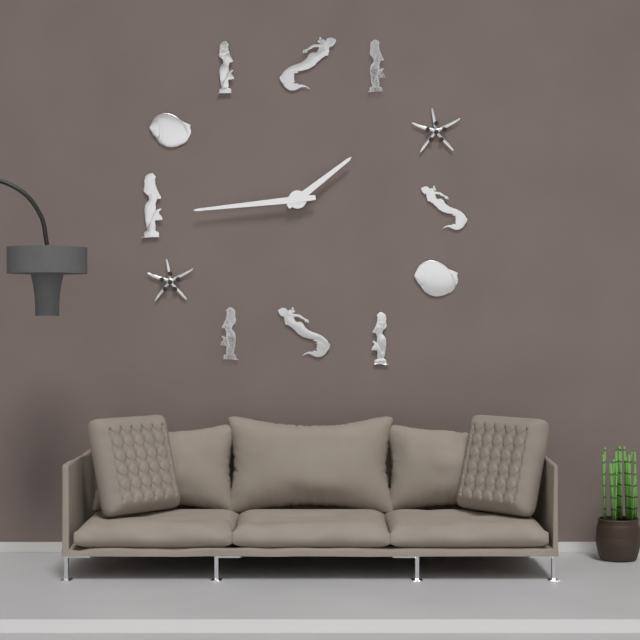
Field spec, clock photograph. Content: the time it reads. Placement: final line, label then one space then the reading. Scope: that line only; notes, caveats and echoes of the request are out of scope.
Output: 1:44
